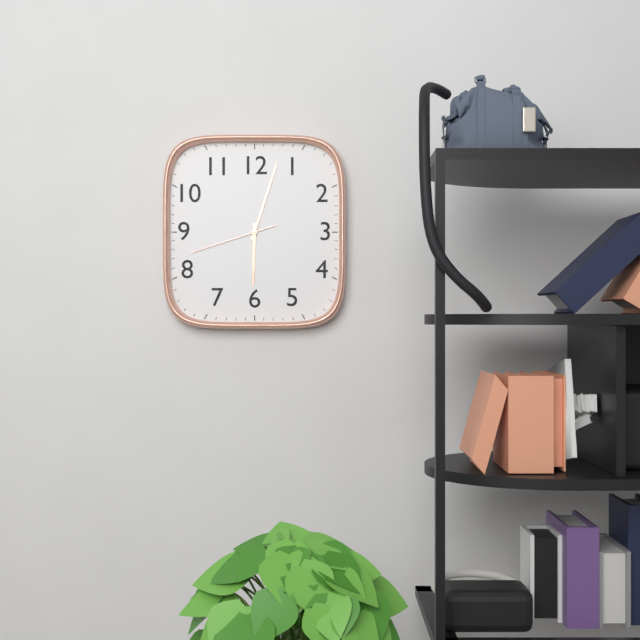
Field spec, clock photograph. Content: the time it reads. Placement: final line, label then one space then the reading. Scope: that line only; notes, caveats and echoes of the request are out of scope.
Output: 6:03:42
